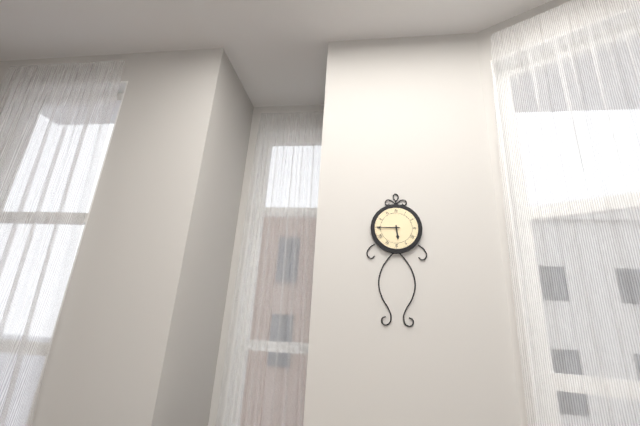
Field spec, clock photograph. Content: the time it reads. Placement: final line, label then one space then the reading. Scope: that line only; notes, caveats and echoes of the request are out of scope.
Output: 5:45
